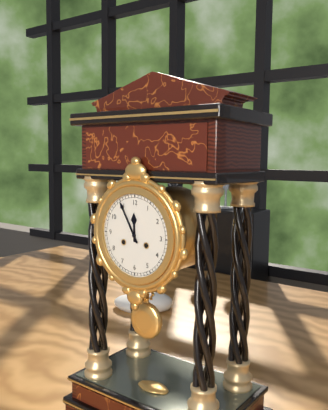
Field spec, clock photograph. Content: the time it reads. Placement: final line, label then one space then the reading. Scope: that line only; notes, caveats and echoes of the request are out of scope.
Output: 11:55
